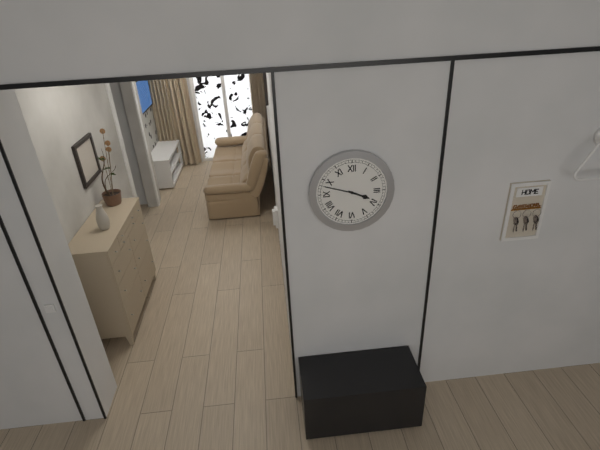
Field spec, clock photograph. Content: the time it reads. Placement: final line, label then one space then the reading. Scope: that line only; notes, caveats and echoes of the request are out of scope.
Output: 3:48
